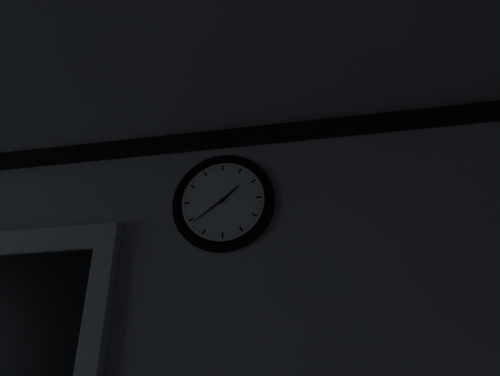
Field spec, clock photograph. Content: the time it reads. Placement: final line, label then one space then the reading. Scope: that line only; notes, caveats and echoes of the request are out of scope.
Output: 1:39
